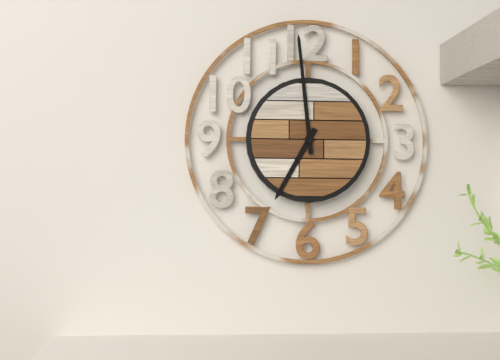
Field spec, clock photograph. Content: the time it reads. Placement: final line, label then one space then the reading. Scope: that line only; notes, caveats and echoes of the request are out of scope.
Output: 6:59
